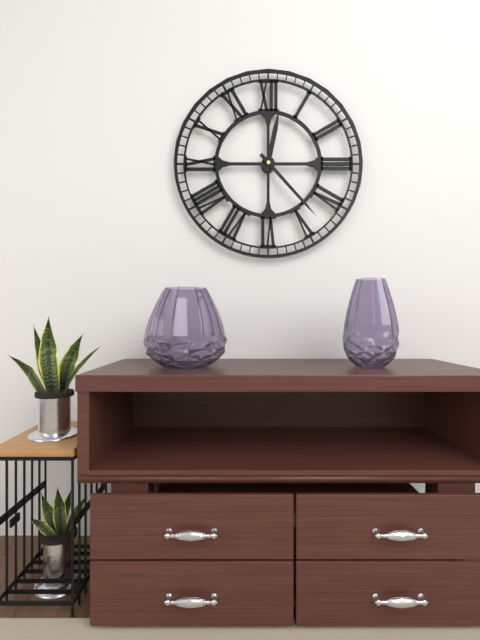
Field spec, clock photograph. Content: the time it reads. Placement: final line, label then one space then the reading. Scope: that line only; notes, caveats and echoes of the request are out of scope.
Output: 12:23
